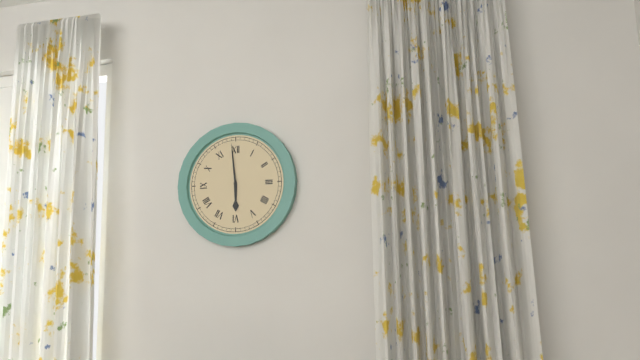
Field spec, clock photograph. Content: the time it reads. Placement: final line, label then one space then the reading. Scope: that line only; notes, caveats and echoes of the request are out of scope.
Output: 5:59
